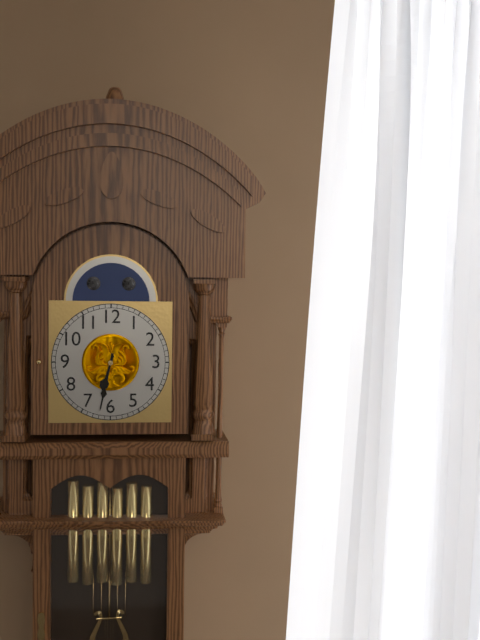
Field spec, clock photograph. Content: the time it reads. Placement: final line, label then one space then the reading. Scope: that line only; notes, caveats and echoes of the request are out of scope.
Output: 6:32
